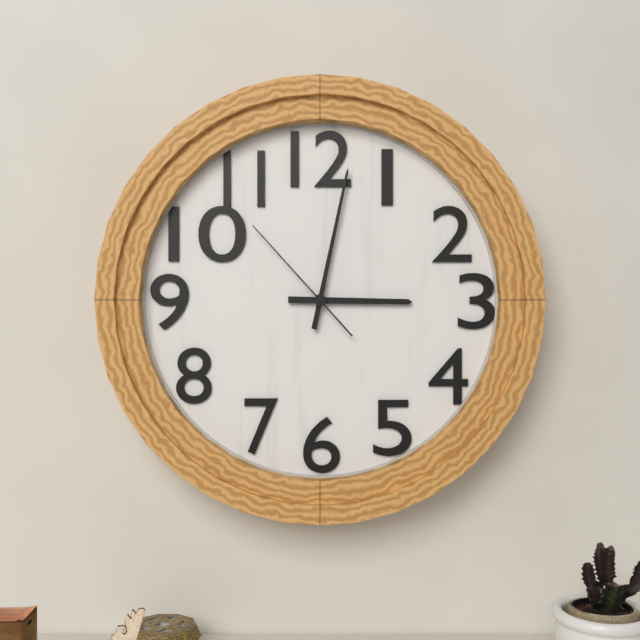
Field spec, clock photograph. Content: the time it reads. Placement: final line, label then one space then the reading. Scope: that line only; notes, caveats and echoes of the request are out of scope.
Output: 3:02:53
